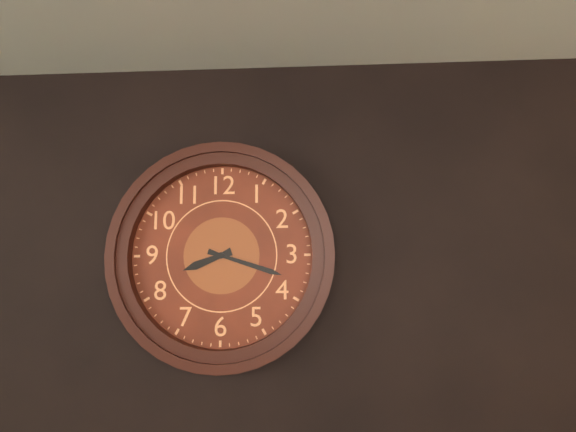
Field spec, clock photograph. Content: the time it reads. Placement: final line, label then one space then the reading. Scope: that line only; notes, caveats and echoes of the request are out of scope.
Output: 8:18
